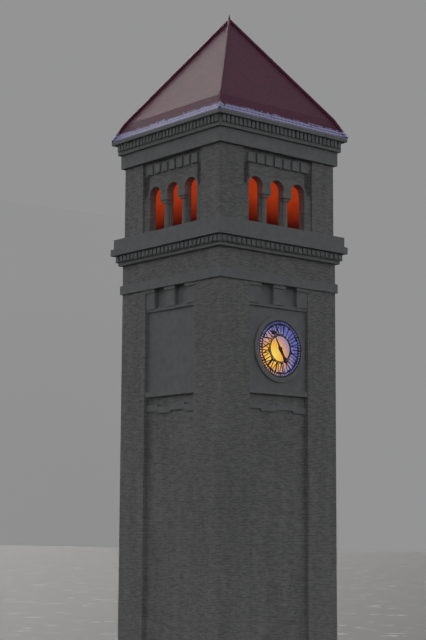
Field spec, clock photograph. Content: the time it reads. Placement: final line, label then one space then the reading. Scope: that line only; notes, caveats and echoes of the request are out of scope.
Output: 4:55
